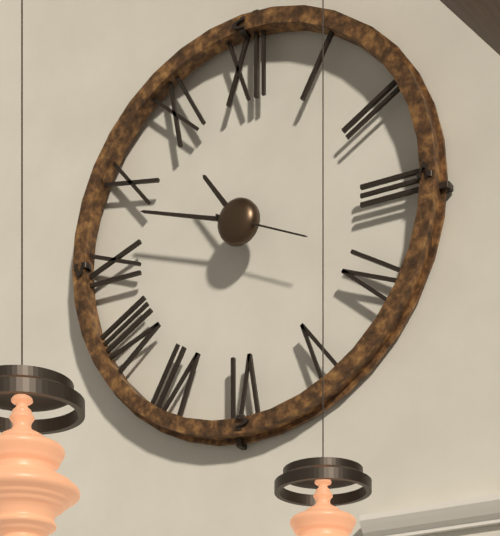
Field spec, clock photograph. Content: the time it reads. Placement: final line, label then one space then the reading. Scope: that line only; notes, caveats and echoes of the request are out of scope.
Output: 10:48:19
